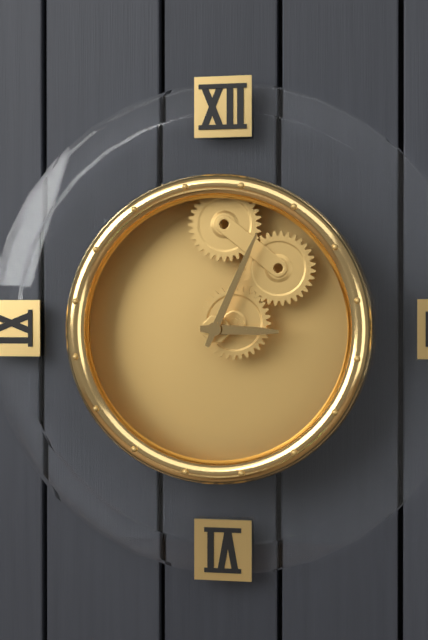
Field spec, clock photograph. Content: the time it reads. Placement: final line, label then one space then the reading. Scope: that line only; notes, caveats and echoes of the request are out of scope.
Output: 3:04
